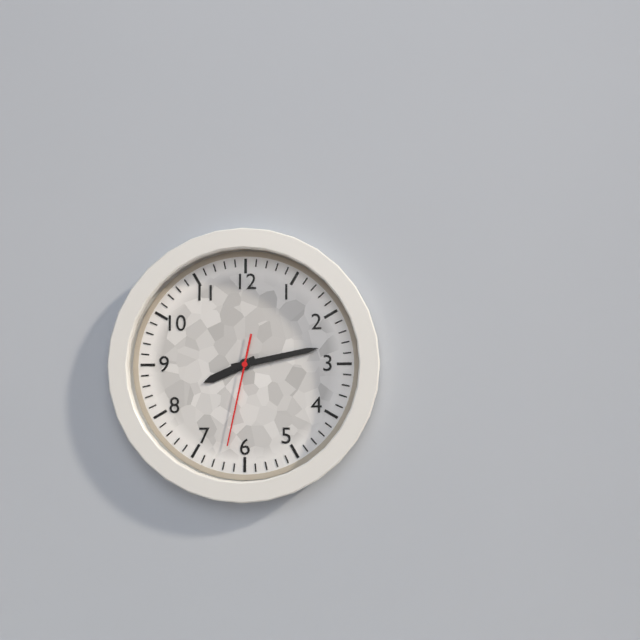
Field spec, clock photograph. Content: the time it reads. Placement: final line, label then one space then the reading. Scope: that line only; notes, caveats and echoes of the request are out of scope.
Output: 8:13:32
